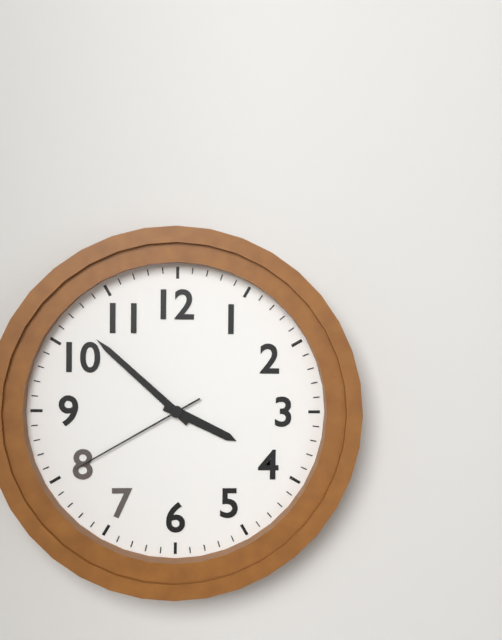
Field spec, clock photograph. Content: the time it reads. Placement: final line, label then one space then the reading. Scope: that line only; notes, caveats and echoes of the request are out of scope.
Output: 3:52:40
